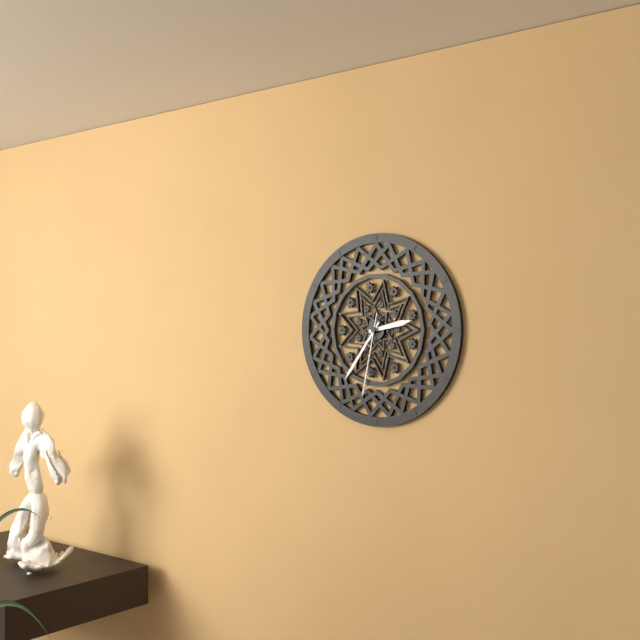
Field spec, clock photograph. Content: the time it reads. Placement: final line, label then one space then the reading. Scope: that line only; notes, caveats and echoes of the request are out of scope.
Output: 2:36:32
